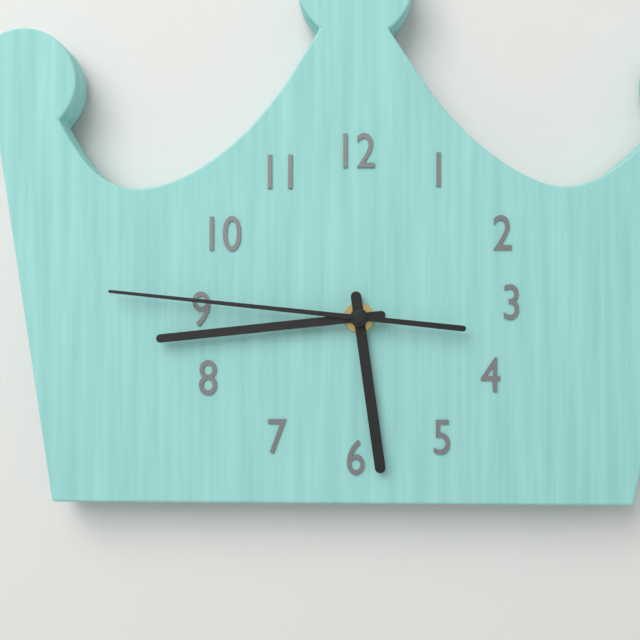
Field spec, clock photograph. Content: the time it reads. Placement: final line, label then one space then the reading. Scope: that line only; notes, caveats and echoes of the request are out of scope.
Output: 5:44:46
